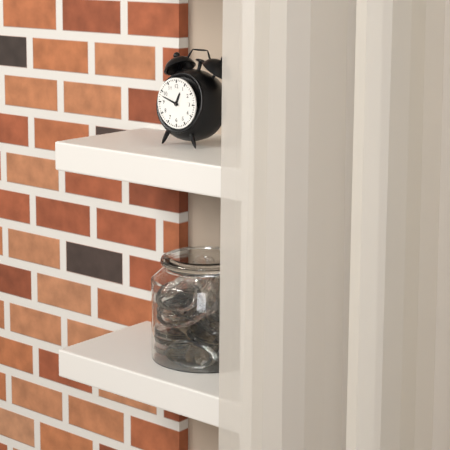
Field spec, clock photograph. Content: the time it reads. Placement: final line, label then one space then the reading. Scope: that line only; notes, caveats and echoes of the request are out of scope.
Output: 12:48
